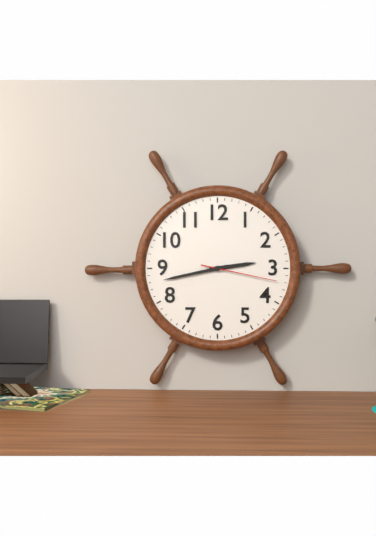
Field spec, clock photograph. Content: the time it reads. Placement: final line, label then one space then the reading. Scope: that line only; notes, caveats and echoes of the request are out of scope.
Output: 2:43:17
